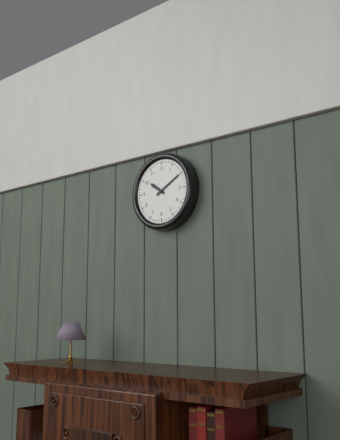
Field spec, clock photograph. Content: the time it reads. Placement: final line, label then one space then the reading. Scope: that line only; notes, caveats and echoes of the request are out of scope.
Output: 10:10
